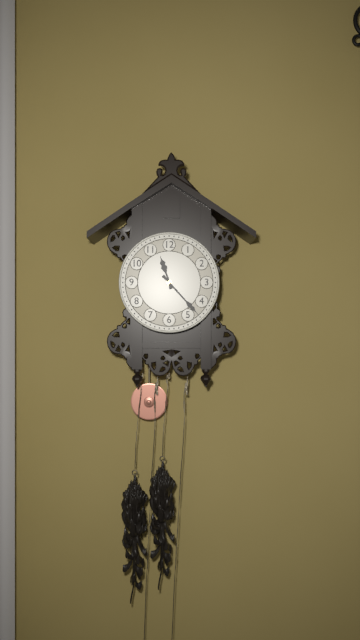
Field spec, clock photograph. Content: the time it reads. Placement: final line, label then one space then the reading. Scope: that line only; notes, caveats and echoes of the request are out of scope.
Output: 11:23
